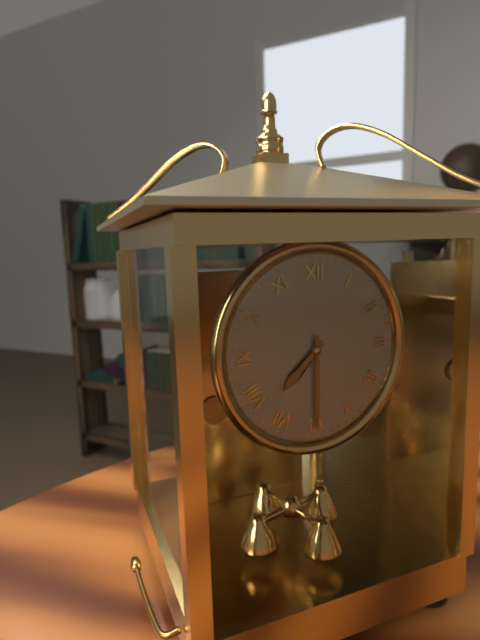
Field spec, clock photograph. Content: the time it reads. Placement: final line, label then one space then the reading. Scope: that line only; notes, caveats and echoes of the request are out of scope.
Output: 7:30
